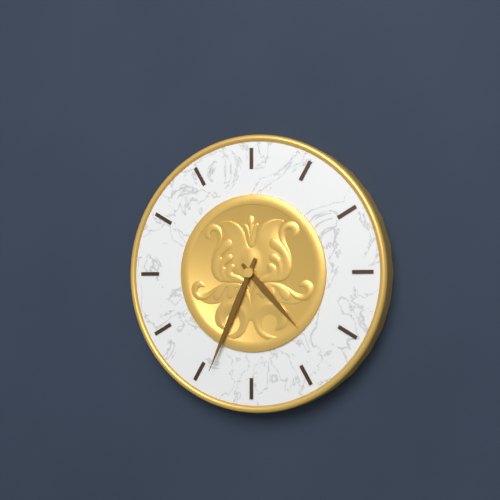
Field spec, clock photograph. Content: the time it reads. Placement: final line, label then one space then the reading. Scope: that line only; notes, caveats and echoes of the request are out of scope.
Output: 4:34
